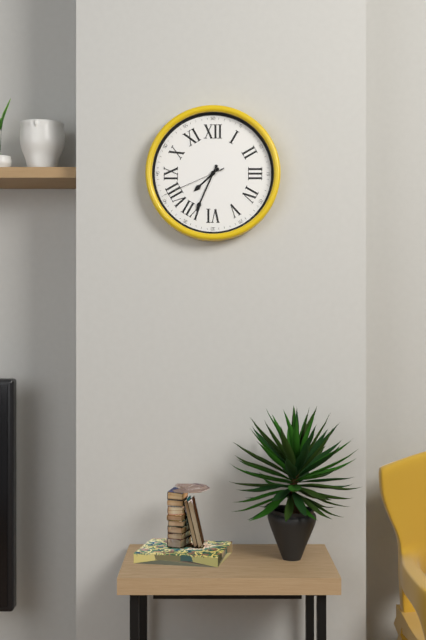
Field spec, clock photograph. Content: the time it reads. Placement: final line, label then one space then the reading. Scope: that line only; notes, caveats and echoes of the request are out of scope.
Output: 7:34:41
